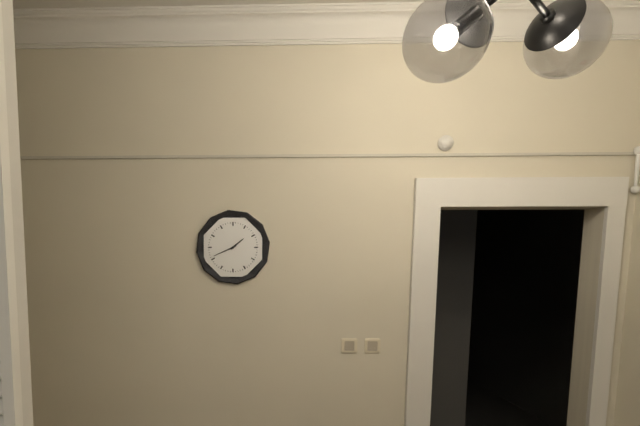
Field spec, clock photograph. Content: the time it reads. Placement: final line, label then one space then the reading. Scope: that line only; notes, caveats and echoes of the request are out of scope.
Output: 1:41
